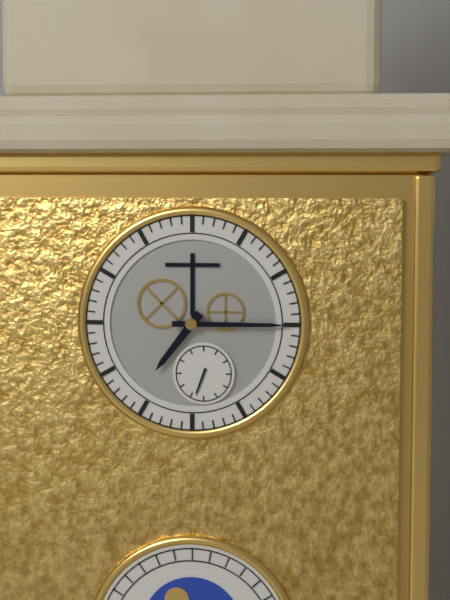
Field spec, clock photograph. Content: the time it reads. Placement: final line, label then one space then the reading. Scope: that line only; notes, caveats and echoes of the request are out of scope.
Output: 7:15
